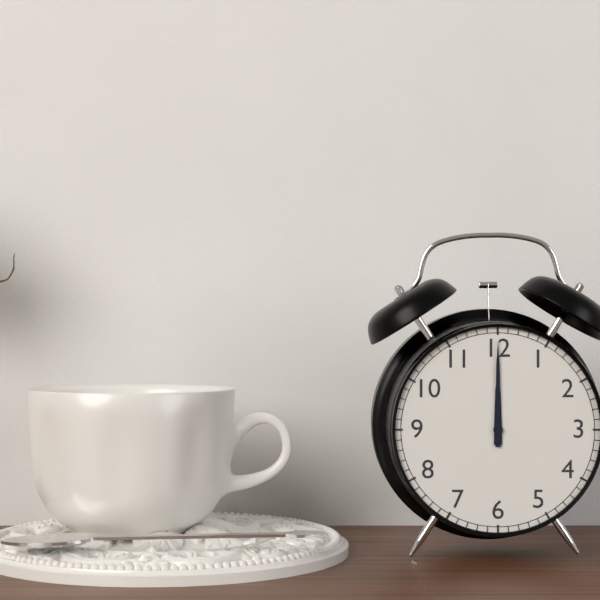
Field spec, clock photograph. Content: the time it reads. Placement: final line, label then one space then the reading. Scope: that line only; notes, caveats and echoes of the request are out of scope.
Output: 12:00
